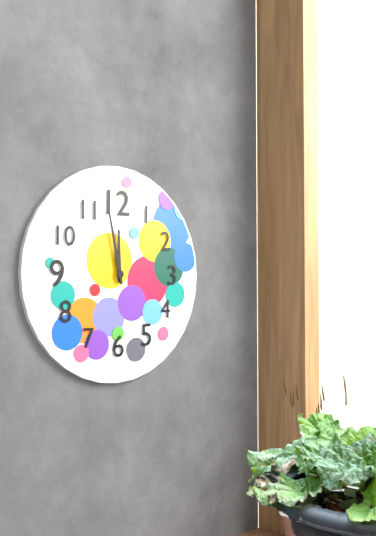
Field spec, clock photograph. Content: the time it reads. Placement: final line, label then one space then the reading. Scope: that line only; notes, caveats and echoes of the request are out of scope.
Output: 11:58
